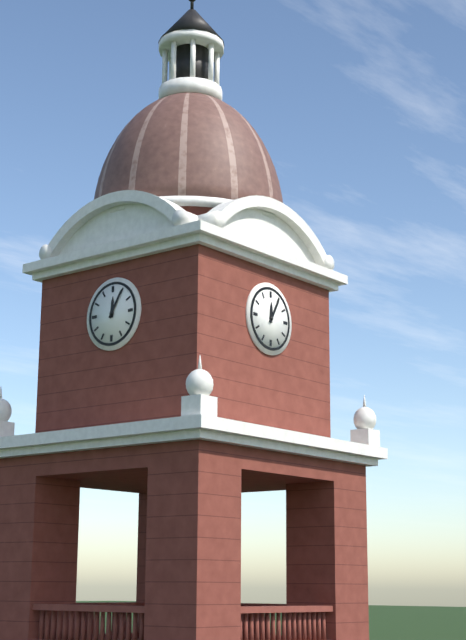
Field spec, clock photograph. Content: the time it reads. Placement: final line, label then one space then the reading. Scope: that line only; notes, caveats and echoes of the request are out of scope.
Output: 12:05
